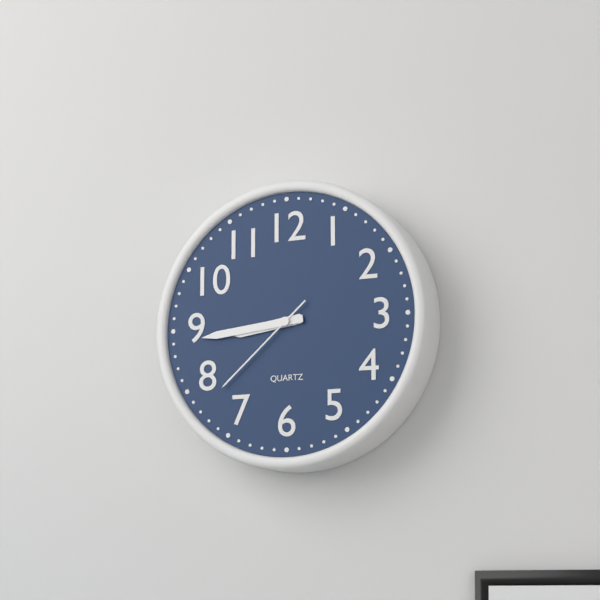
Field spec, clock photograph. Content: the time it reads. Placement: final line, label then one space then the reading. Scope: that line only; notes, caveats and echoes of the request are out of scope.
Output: 8:44:38
